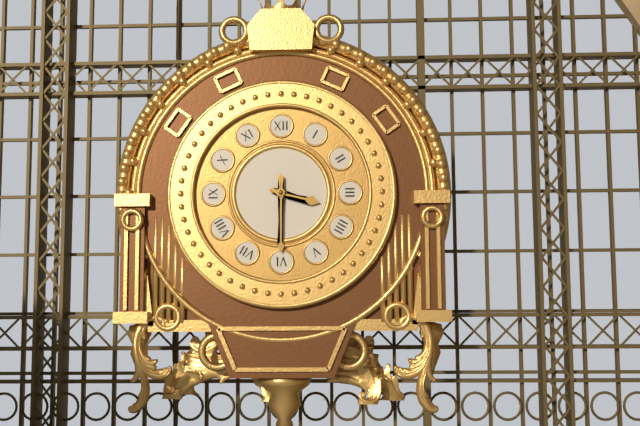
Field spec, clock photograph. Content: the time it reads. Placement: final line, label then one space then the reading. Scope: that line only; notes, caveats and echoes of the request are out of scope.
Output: 3:30
